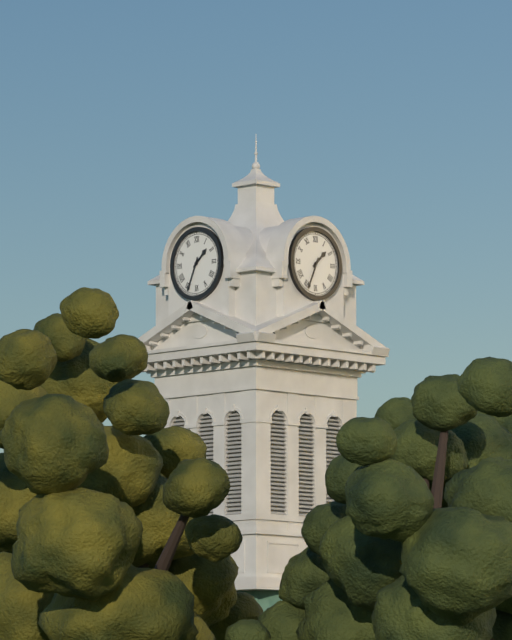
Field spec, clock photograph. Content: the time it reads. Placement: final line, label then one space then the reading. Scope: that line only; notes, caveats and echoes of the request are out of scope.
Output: 1:34
